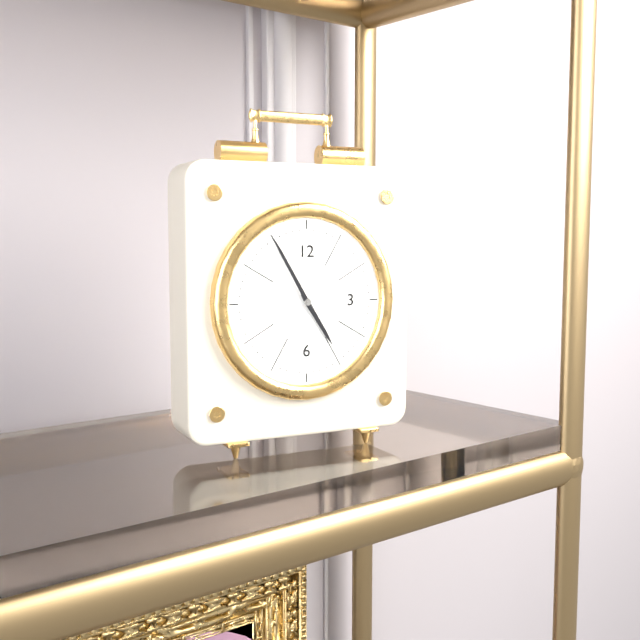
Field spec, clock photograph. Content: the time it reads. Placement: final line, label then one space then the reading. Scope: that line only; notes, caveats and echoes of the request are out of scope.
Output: 4:55
